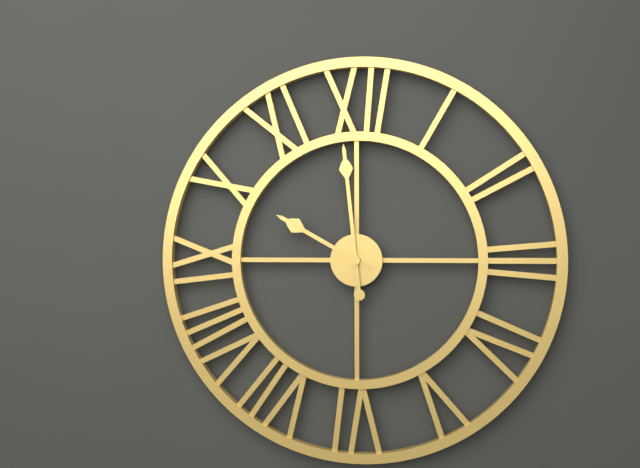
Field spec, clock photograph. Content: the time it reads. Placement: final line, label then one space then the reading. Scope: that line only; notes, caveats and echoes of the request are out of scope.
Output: 9:59
